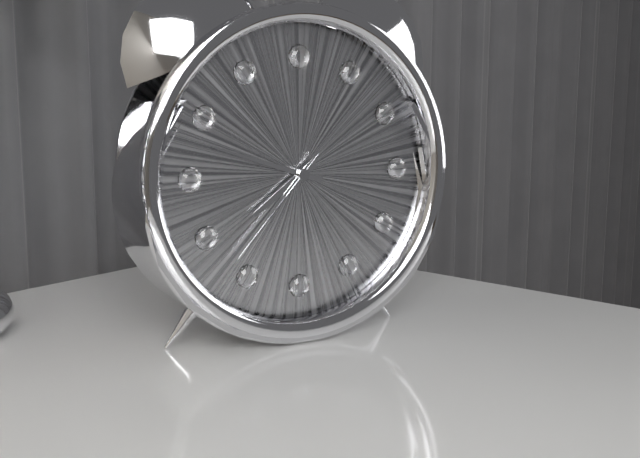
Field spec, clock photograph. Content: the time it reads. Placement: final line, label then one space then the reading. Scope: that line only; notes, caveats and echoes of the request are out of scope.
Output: 7:48:37
